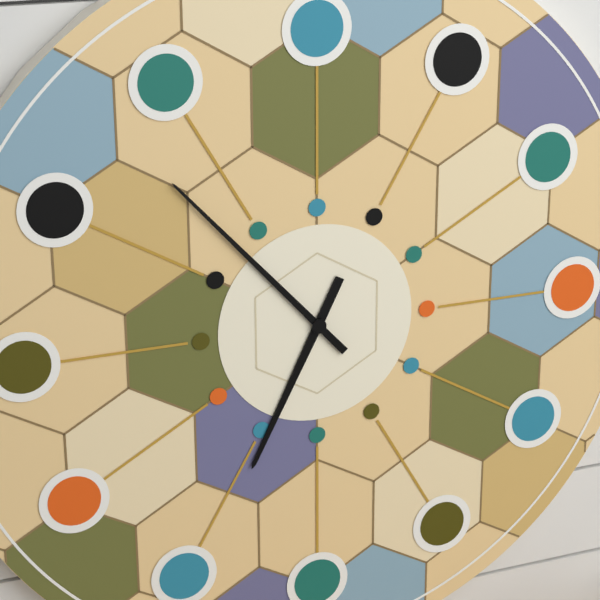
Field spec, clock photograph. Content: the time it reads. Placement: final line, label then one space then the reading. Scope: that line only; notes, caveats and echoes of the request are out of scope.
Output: 6:53
